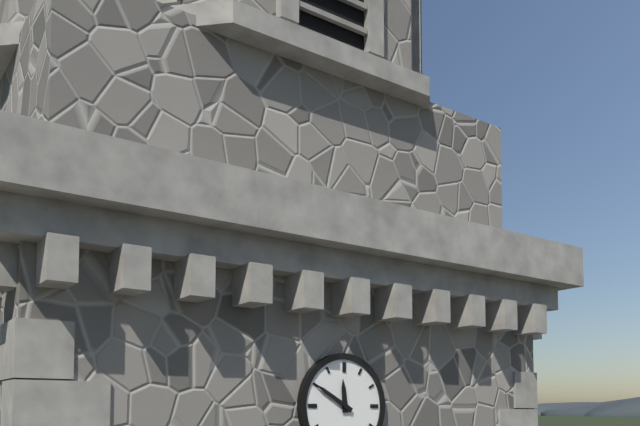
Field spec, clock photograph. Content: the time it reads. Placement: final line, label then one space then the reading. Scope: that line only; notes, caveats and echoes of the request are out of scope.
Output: 11:50
